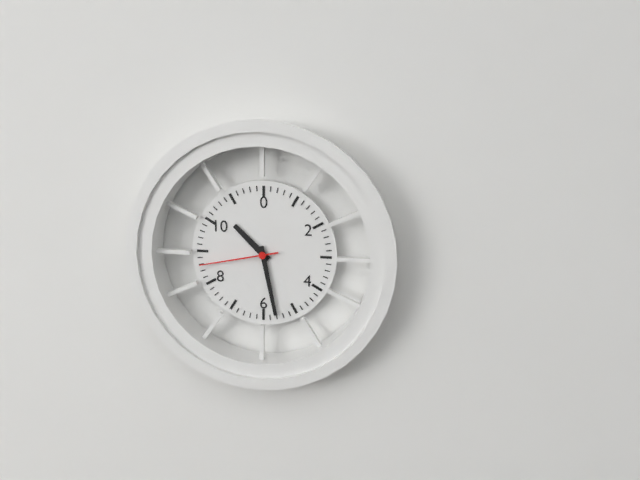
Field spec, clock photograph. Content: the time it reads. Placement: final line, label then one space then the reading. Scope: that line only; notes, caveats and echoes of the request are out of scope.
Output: 10:28:43
